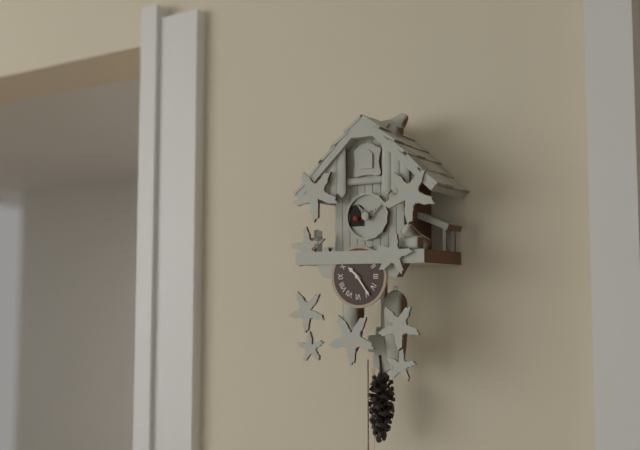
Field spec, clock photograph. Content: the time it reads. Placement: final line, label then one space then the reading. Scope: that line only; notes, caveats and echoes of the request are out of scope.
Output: 10:24
